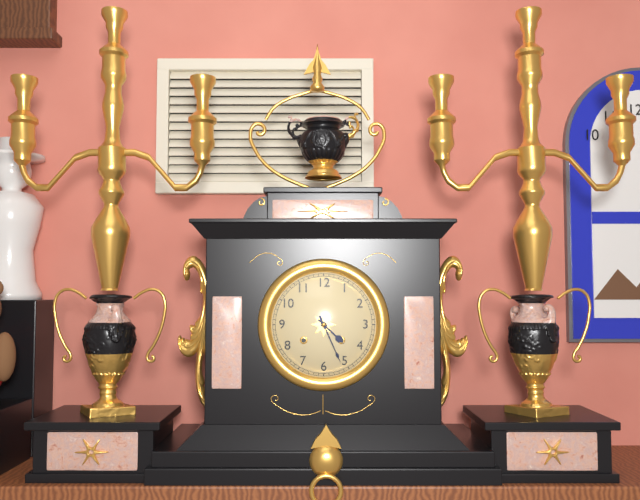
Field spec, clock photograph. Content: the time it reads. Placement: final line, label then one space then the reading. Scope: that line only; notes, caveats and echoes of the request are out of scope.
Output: 4:26
